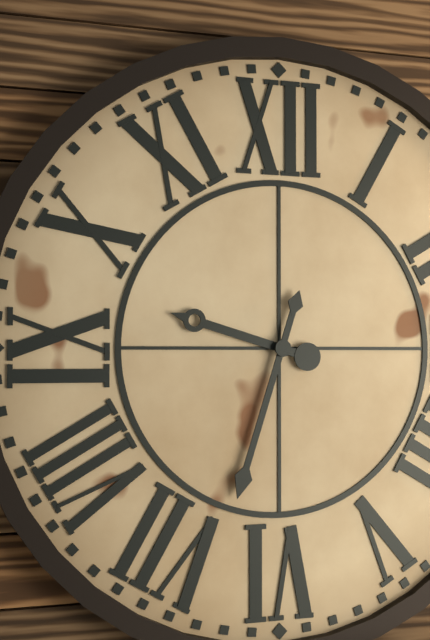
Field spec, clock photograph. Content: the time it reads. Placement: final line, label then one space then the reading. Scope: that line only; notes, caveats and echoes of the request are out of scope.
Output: 9:33
